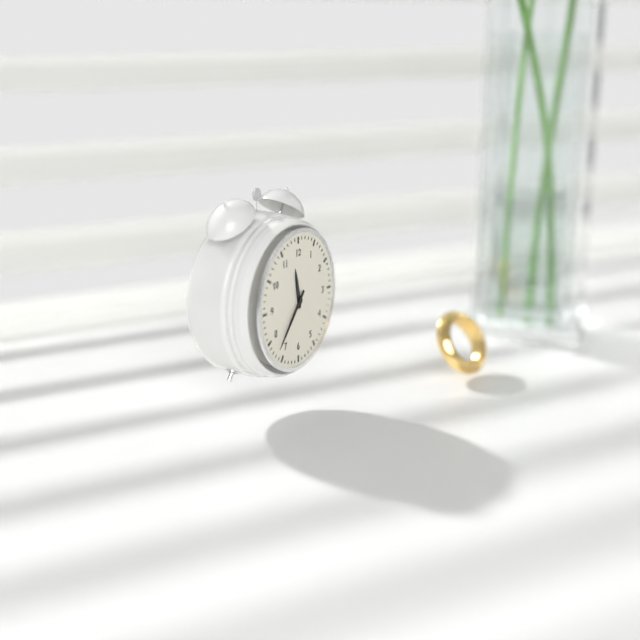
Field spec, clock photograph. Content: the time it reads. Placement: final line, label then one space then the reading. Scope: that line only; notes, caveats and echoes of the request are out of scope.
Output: 11:37
